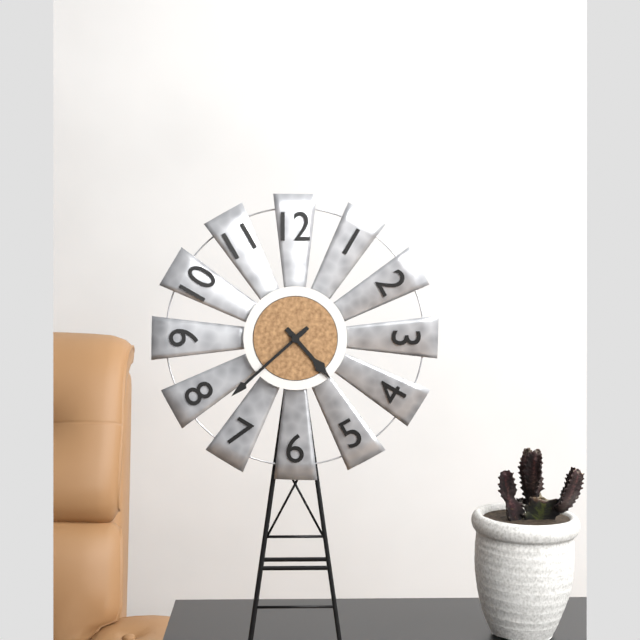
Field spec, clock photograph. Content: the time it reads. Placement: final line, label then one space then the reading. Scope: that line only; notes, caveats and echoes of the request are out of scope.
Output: 4:38
